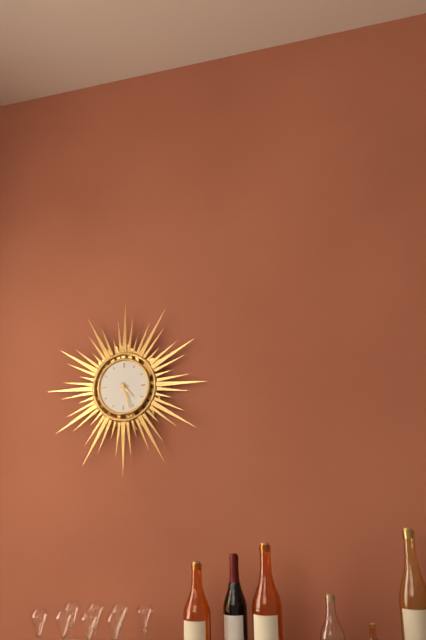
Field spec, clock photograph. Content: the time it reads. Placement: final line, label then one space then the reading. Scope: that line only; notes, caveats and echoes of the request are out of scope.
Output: 4:27
